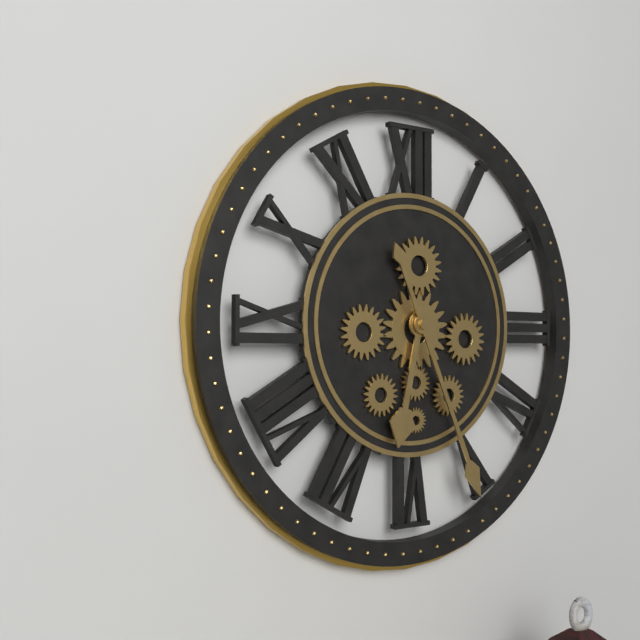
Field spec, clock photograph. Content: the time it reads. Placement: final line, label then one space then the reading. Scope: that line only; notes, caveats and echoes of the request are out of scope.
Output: 6:26
